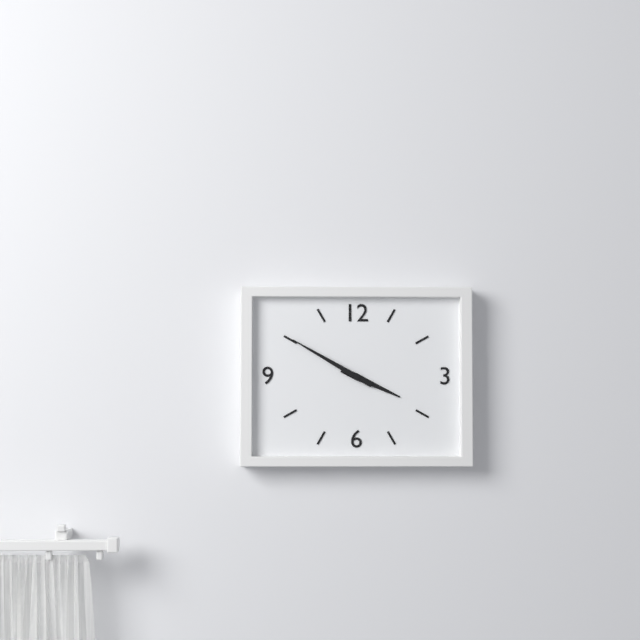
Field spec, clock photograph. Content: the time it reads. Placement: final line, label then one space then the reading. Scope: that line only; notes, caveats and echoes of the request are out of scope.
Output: 3:50
